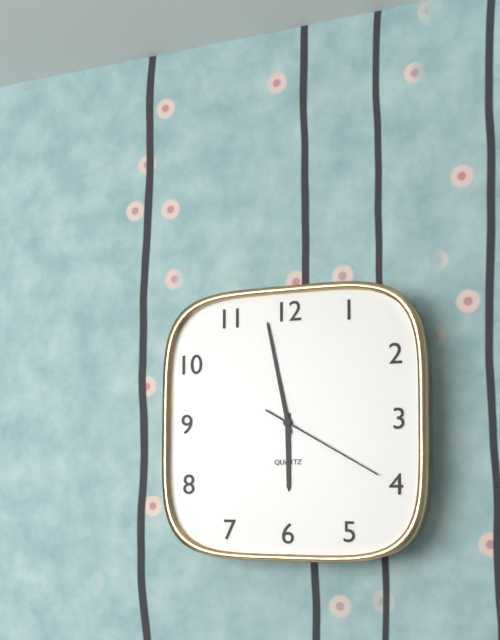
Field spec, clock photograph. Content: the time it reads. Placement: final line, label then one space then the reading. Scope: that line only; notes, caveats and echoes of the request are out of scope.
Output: 5:58:20
